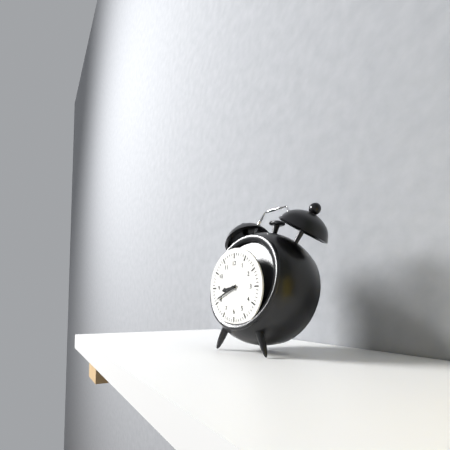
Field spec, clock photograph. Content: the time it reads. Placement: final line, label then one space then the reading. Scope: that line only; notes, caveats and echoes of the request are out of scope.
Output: 8:41
